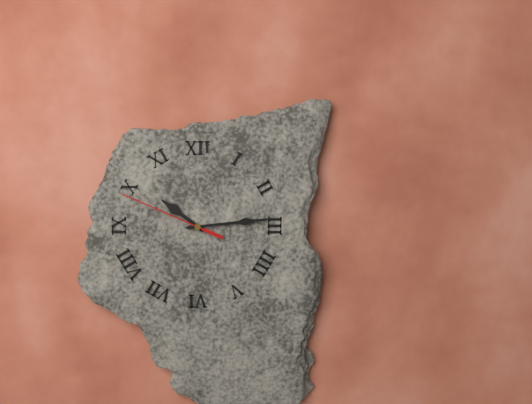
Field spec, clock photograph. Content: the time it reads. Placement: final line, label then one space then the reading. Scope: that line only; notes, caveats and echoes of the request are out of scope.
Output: 10:14:49
